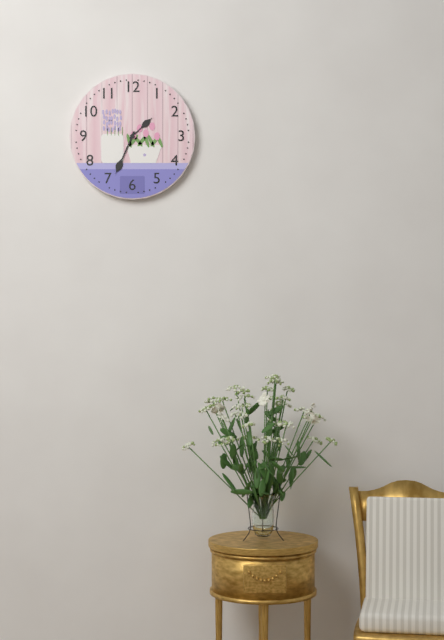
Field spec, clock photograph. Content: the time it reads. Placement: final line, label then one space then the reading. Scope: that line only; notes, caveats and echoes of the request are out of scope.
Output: 1:34
